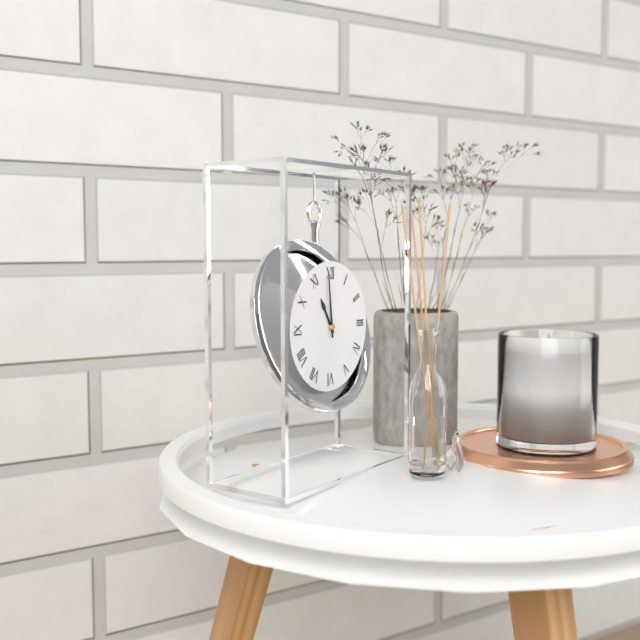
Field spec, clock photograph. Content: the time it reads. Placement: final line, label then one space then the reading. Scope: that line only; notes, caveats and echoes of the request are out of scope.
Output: 10:59
